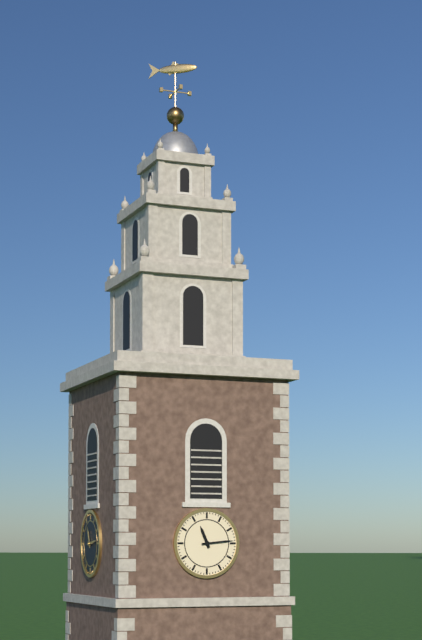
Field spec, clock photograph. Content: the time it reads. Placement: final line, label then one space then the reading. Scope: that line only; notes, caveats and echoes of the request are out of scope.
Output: 11:14
